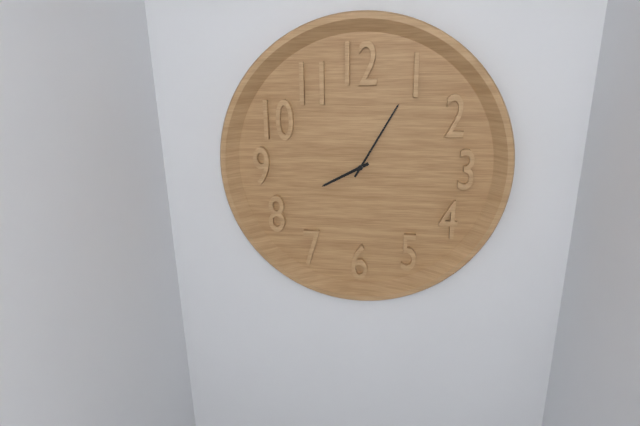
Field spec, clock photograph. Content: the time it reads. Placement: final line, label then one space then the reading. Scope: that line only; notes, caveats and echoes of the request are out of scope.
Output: 8:05
